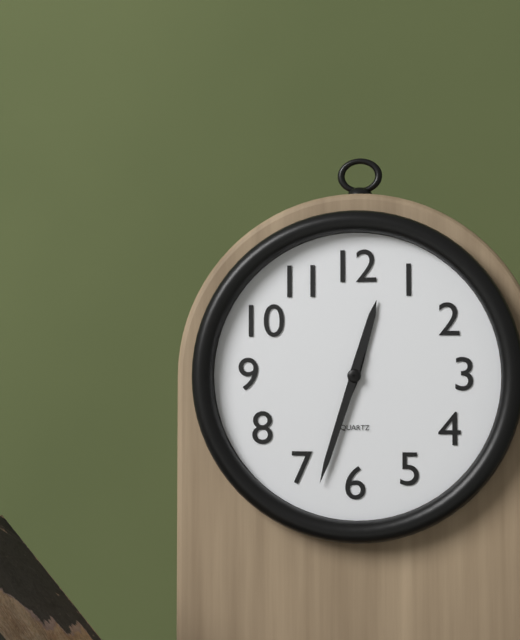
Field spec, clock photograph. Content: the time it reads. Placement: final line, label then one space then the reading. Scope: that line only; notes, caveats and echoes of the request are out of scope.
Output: 12:33
